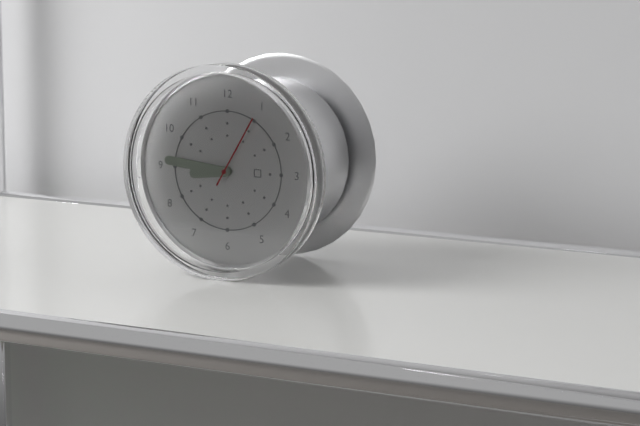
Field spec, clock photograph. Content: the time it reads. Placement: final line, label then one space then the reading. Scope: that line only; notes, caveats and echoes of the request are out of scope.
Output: 8:46:05
